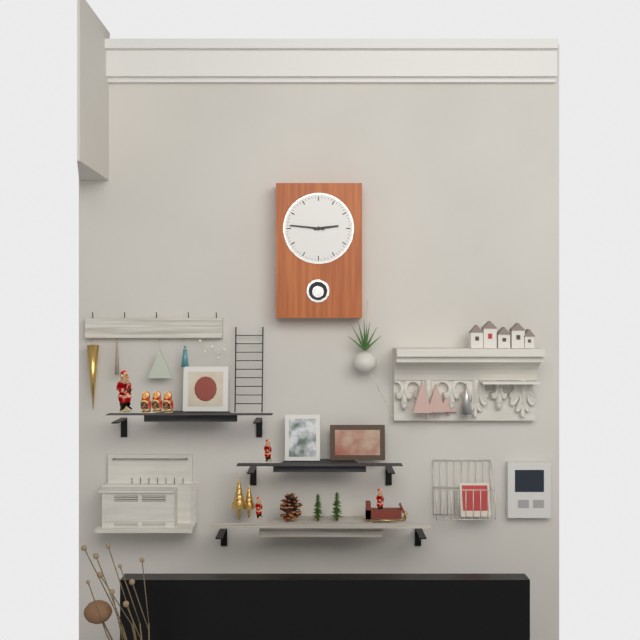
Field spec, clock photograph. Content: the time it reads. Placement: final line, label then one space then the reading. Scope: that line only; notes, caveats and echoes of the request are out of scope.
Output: 2:46
